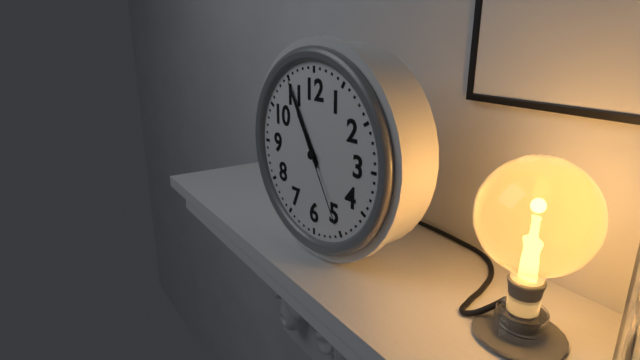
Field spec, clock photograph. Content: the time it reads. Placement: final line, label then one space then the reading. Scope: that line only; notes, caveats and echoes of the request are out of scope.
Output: 10:55:25
